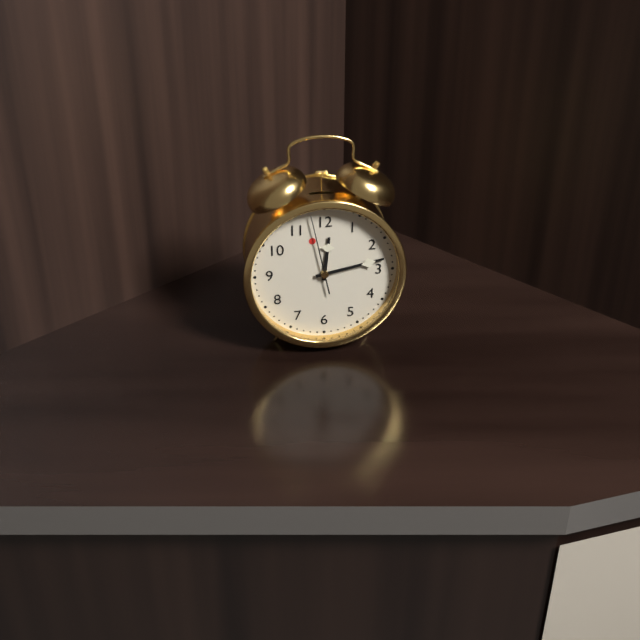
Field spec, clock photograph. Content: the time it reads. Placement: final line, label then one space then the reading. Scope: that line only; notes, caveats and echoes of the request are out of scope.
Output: 12:13:58
